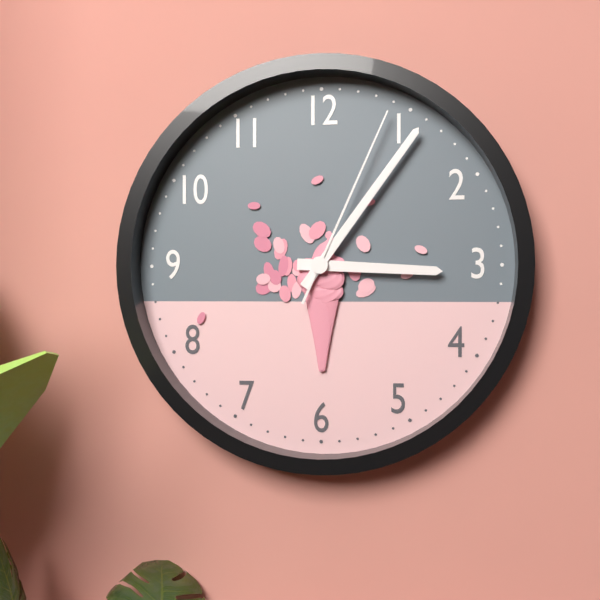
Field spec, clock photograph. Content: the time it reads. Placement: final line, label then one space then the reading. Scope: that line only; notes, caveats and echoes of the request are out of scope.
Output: 3:06:04
